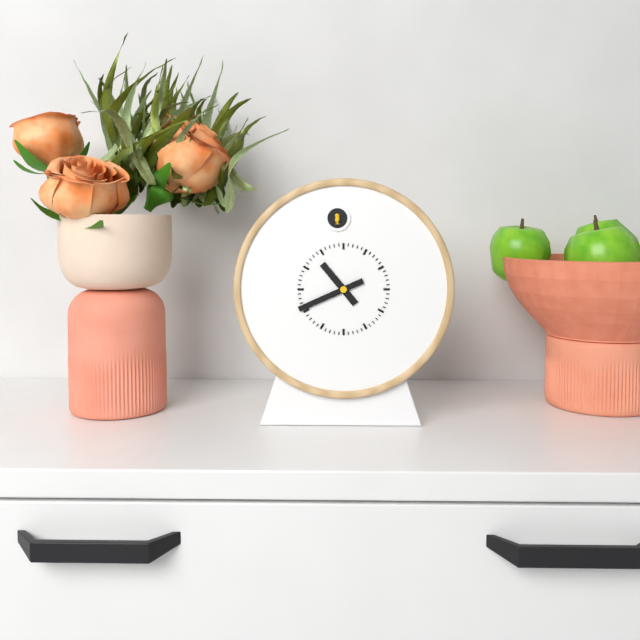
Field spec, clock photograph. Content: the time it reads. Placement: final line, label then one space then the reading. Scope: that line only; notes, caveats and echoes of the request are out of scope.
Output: 10:41
